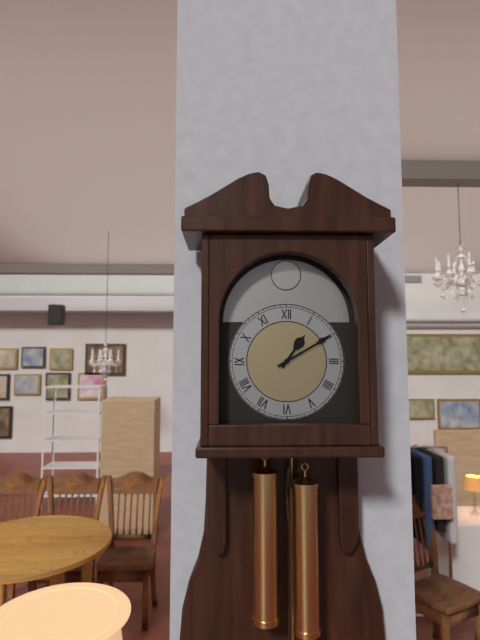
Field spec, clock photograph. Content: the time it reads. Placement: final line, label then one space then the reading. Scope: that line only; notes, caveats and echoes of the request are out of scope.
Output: 1:10
